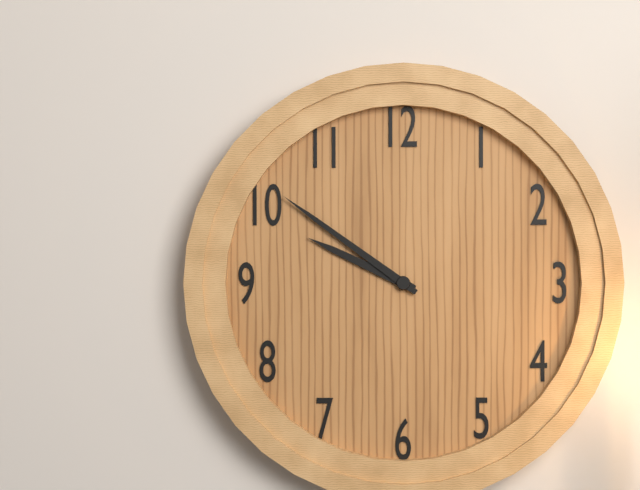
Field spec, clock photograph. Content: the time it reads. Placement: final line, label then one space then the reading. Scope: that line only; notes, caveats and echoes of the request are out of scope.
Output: 9:51
